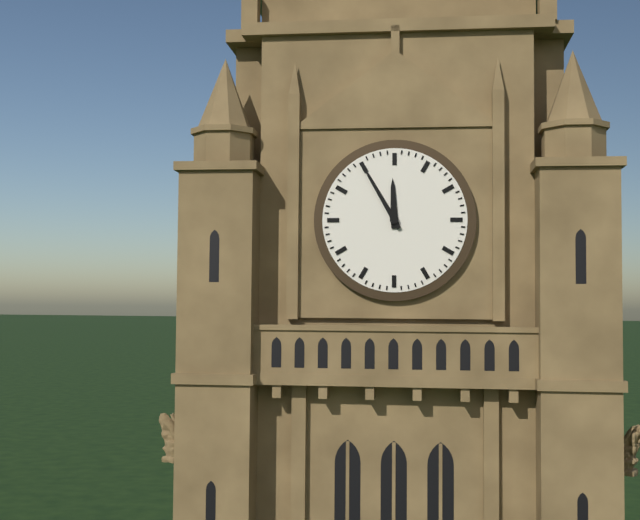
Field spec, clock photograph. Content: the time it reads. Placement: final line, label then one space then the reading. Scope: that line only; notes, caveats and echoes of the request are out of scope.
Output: 11:55
